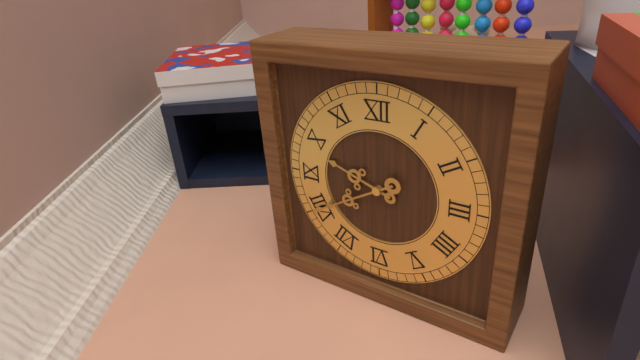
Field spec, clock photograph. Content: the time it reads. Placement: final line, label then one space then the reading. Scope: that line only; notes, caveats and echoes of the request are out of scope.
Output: 9:40
